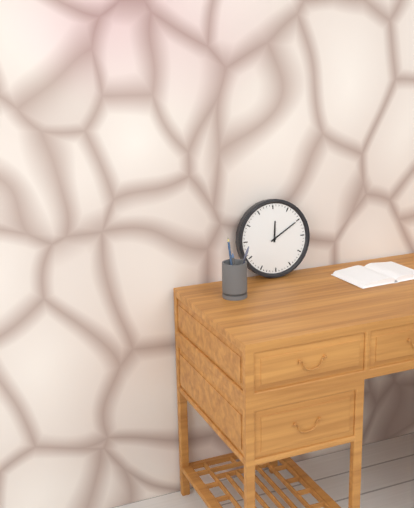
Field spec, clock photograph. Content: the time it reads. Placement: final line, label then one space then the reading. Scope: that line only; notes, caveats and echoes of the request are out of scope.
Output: 12:10
